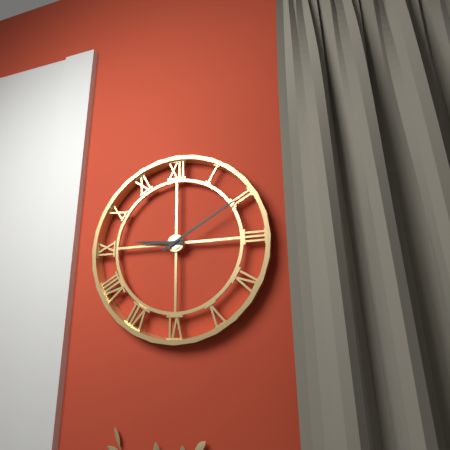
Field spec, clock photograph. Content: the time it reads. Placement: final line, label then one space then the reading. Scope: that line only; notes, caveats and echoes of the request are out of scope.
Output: 9:10
